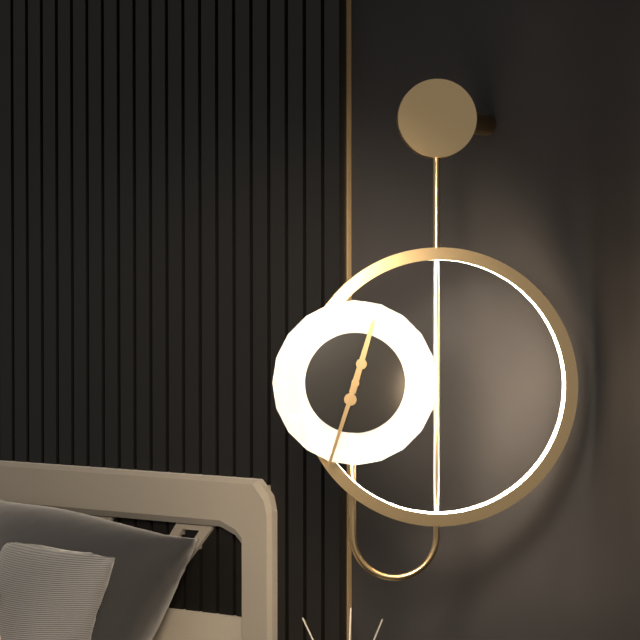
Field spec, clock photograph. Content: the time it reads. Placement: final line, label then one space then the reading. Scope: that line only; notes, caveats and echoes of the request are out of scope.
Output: 12:33
